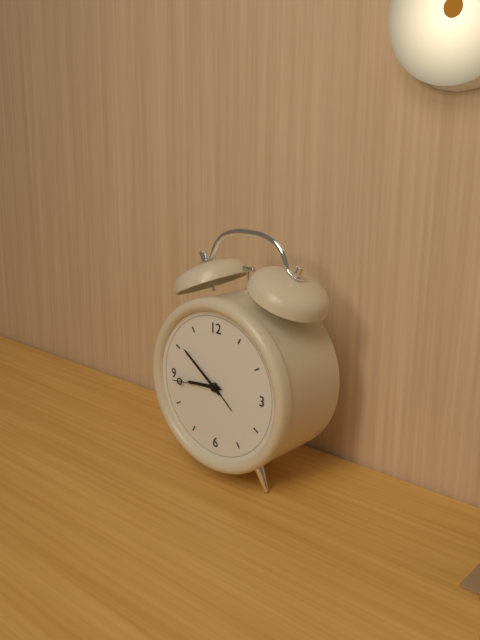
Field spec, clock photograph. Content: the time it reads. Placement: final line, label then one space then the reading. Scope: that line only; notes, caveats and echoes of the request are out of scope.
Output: 8:51:44
